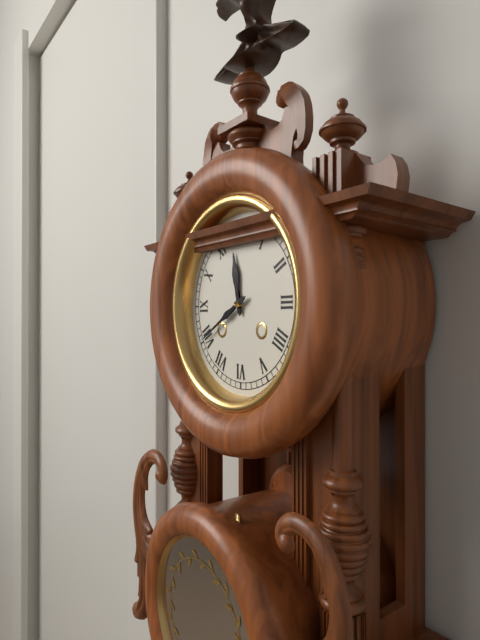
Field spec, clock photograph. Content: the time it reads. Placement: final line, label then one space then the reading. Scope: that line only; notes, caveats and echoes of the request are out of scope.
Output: 11:40
